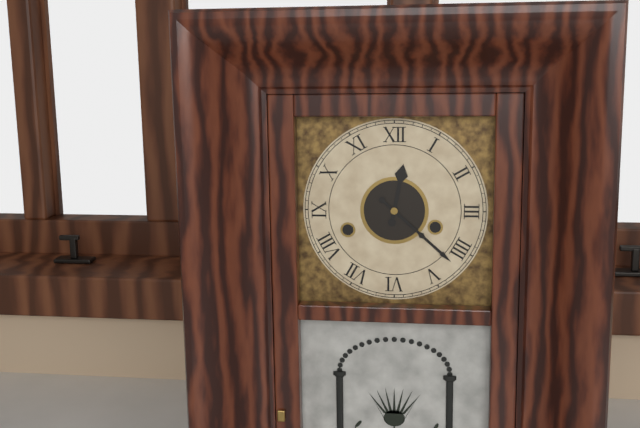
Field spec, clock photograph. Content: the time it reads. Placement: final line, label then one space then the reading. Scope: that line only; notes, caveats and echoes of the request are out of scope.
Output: 12:22
